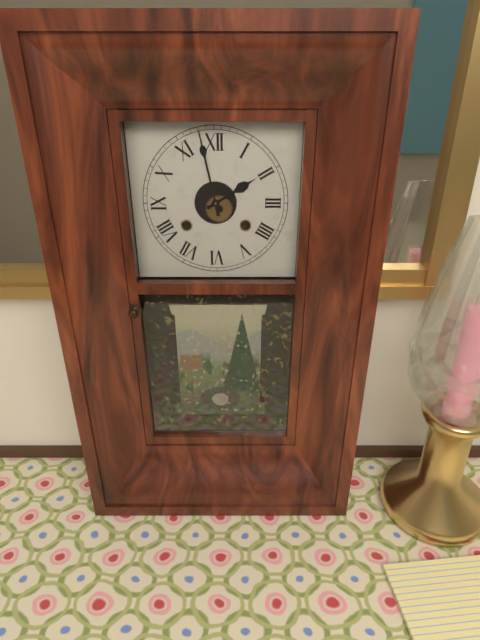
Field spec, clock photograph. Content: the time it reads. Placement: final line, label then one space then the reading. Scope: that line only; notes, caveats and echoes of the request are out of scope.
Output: 1:58
